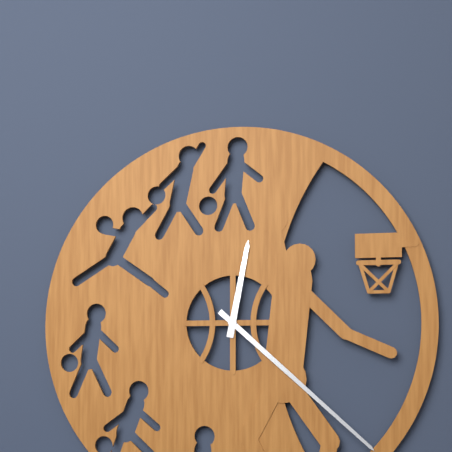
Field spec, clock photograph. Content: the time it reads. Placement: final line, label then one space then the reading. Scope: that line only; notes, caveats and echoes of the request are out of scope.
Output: 12:22
